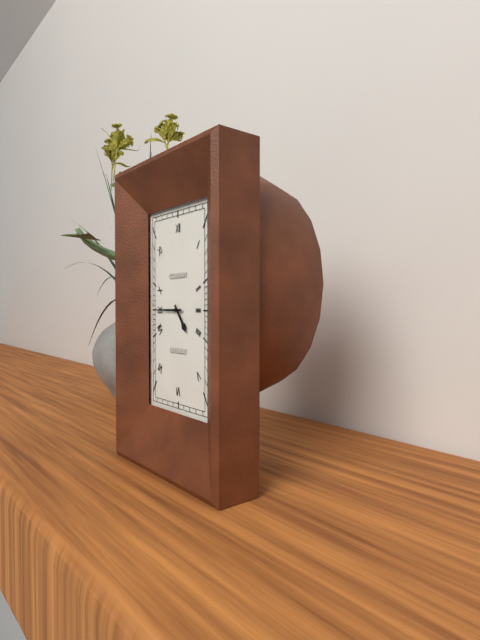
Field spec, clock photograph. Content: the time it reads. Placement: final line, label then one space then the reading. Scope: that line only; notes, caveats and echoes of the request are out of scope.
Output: 4:45
